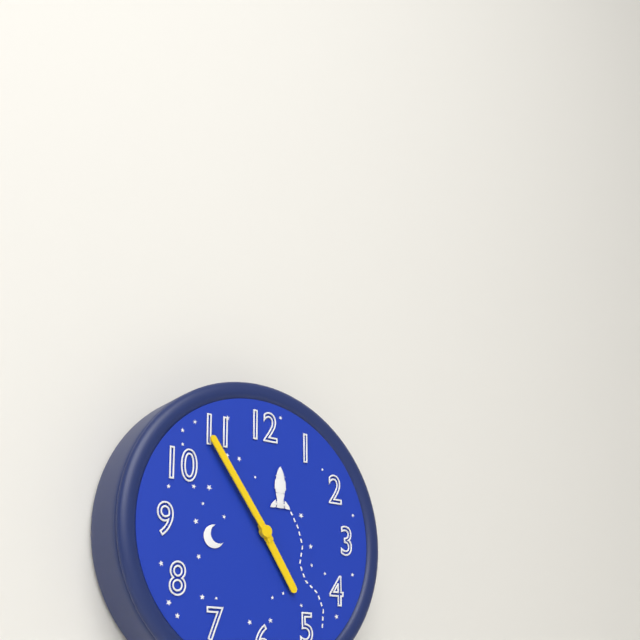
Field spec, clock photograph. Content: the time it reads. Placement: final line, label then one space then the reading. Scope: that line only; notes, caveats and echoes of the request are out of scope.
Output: 4:54
